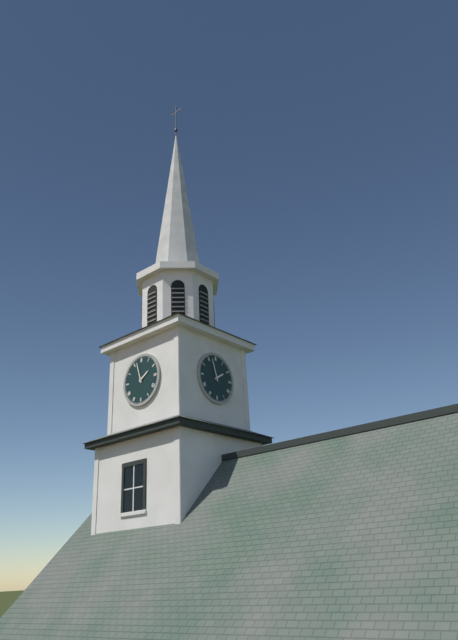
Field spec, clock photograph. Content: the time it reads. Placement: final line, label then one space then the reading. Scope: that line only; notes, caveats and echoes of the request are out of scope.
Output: 1:57
